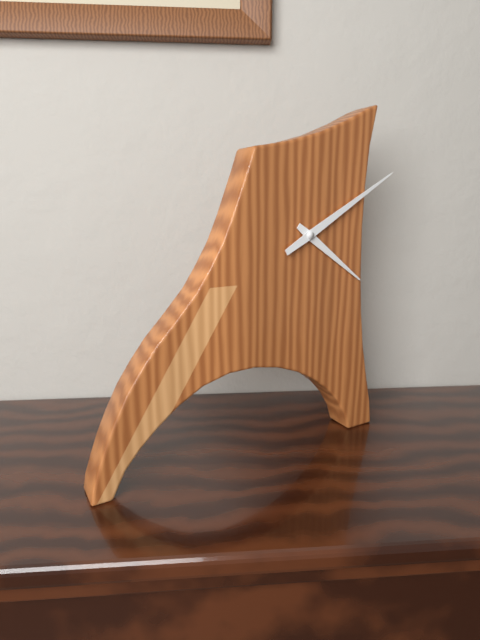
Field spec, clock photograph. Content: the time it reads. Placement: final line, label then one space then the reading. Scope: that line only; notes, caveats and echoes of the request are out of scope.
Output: 4:10
